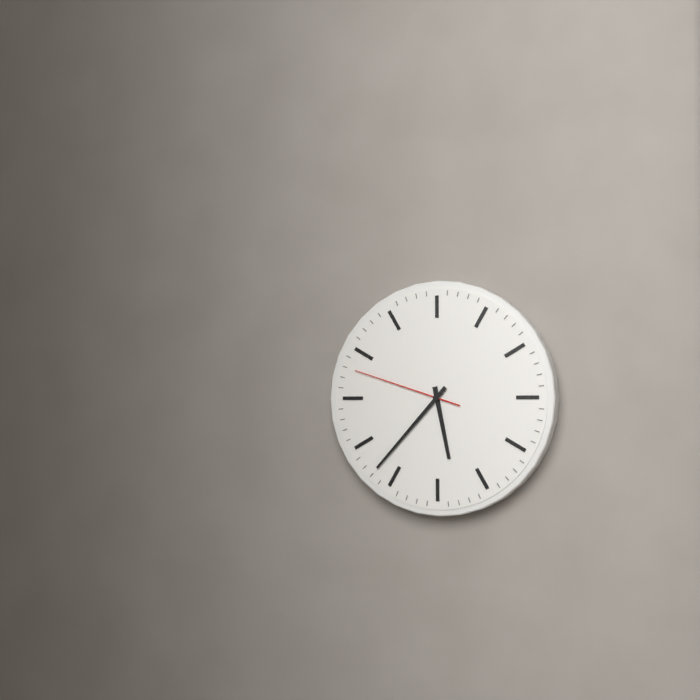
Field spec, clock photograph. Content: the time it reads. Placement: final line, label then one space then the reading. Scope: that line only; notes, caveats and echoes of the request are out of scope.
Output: 5:37:48
